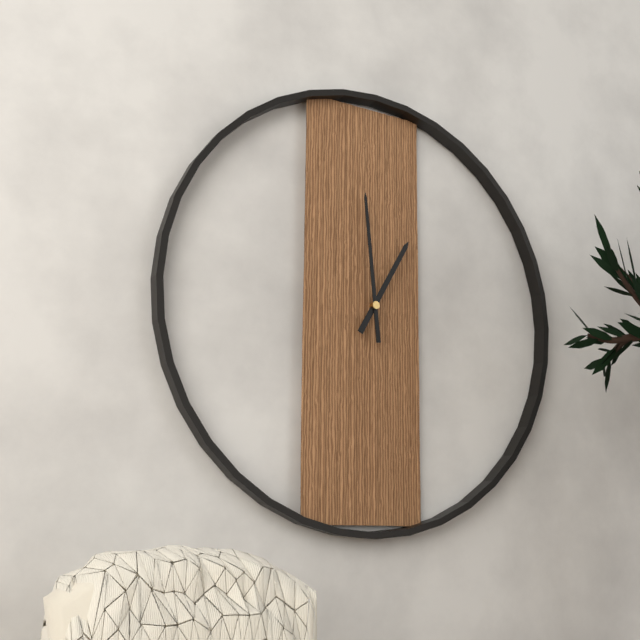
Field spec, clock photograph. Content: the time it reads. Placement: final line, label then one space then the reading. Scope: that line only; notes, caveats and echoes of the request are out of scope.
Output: 12:59
